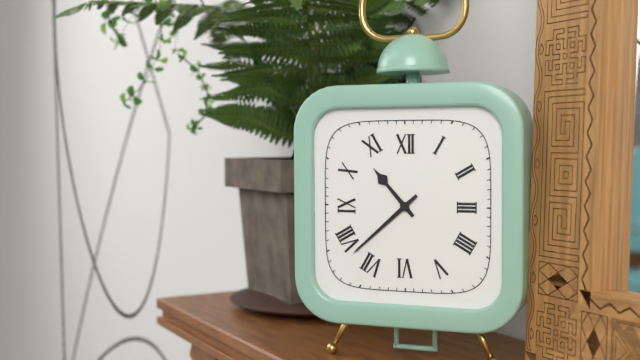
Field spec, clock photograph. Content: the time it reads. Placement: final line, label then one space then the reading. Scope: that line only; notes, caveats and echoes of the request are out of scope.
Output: 10:38
